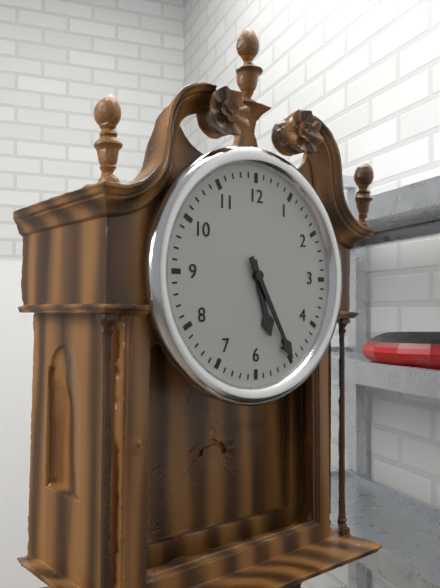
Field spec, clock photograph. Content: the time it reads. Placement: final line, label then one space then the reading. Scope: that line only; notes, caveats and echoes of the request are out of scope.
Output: 5:25
